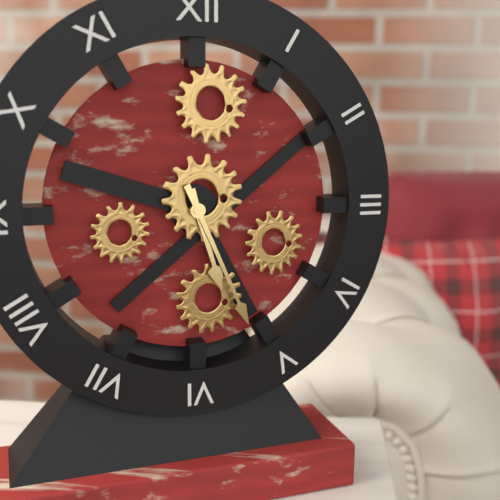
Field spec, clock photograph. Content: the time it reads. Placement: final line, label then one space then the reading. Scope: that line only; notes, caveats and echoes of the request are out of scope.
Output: 5:26
